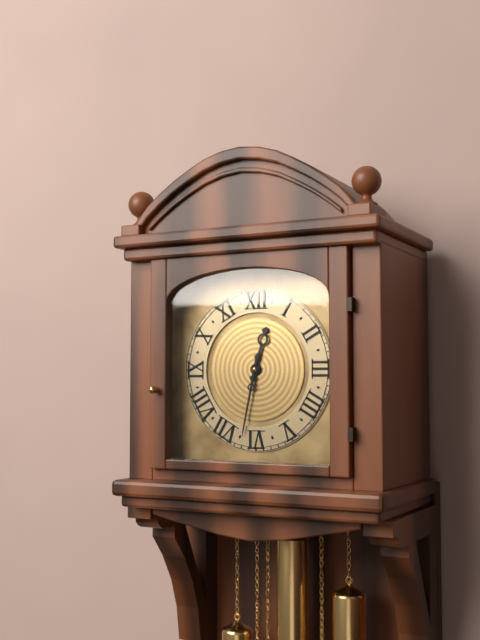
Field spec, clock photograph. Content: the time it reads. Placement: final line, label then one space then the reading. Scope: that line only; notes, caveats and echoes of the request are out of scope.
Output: 12:32
